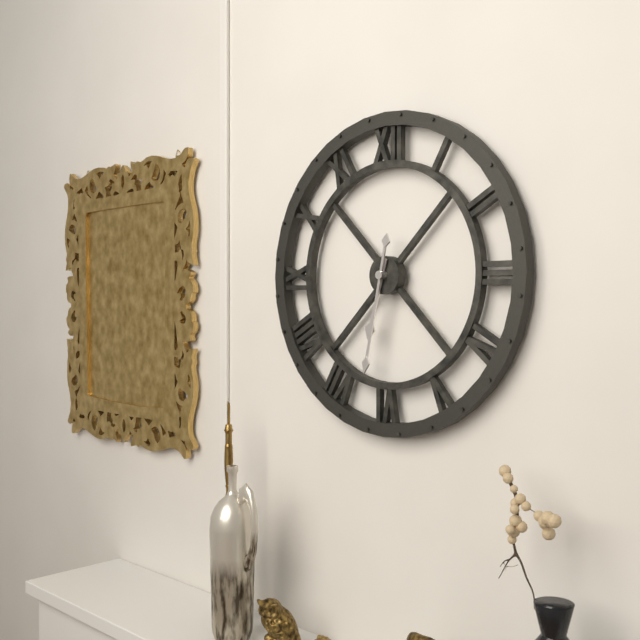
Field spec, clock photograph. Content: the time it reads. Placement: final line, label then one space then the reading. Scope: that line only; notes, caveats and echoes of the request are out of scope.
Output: 6:32
